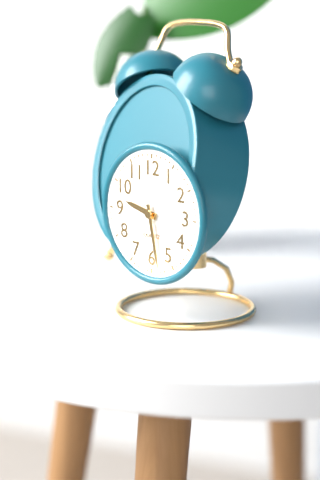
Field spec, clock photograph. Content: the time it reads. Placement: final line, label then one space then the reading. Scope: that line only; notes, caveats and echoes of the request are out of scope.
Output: 9:28
